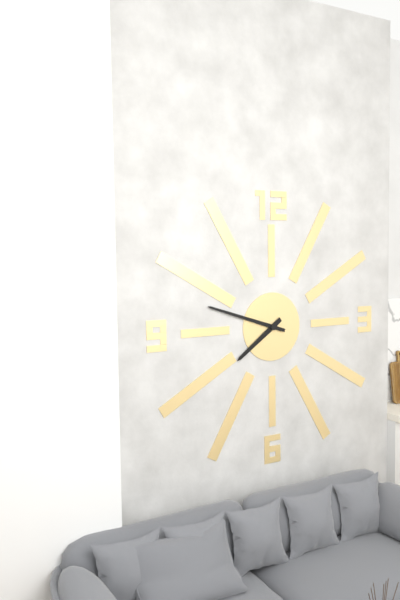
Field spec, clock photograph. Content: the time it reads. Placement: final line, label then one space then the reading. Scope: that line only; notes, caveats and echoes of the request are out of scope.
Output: 7:48
